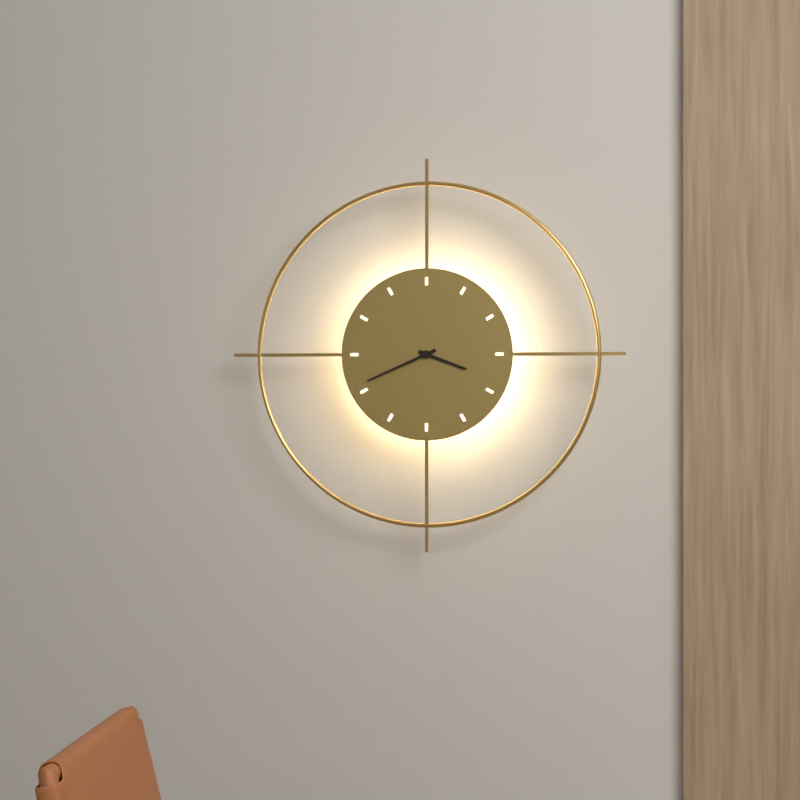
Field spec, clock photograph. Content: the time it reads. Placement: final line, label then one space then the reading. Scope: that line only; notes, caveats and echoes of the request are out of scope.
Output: 3:41
